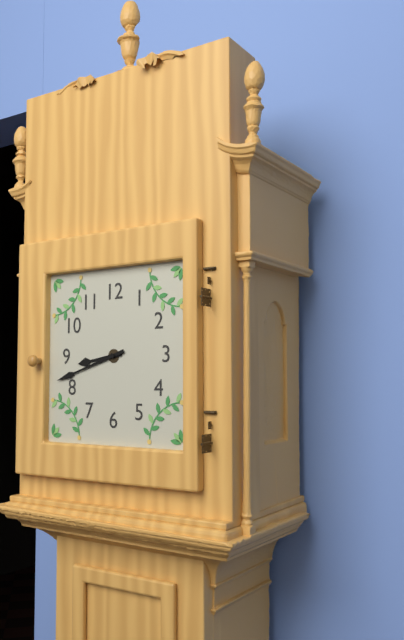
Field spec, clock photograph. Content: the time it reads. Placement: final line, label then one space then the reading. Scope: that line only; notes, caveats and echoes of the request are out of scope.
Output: 8:42
